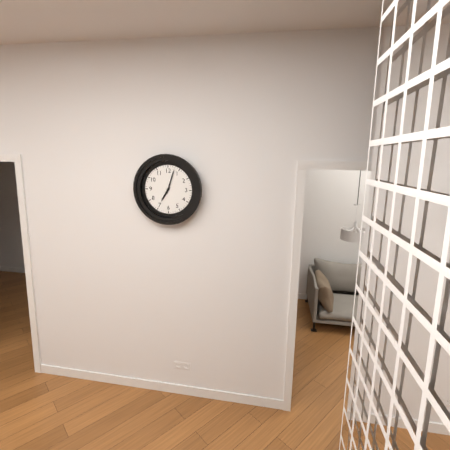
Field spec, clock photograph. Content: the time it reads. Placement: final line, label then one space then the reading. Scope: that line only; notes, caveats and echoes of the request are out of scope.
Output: 7:03
